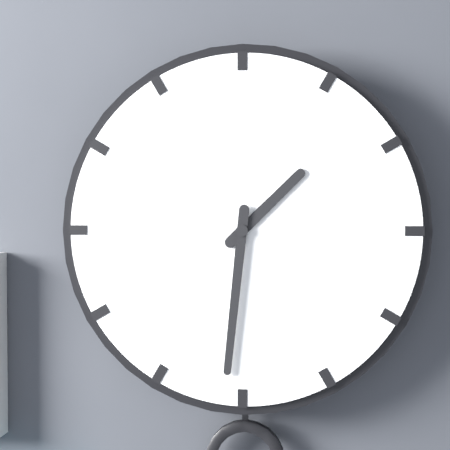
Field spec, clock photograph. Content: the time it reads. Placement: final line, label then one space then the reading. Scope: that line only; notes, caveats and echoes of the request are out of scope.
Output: 1:31
